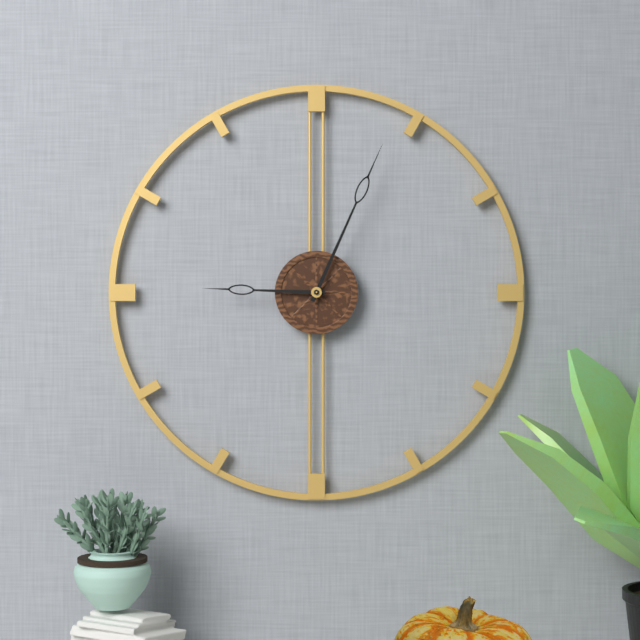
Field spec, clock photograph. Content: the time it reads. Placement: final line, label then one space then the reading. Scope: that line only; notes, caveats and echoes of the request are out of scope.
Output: 9:04
